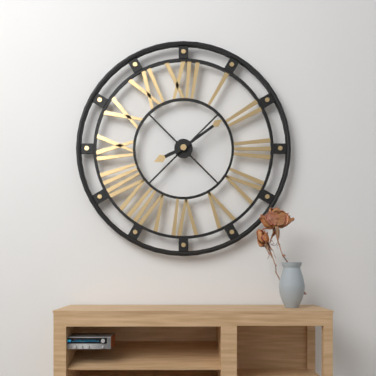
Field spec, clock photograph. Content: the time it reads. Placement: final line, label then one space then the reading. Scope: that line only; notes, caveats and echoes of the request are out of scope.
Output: 8:09
